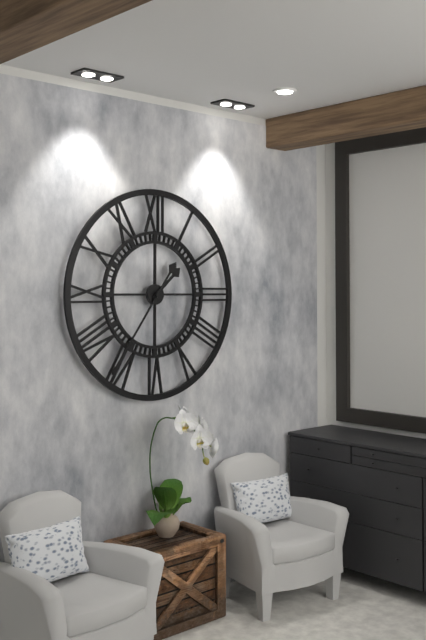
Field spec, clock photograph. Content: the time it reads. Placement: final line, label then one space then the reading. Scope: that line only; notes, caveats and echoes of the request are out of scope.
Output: 1:36
